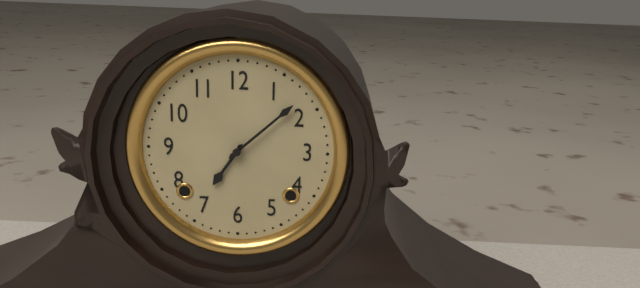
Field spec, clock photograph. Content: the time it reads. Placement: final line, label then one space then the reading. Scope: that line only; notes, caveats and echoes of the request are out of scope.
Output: 7:08
